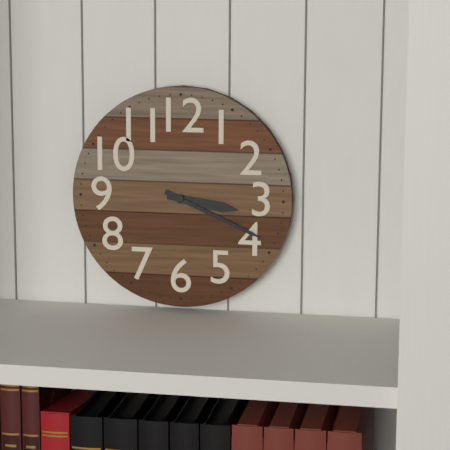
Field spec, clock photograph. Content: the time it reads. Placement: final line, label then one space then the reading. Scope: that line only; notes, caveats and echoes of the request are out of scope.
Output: 3:19
